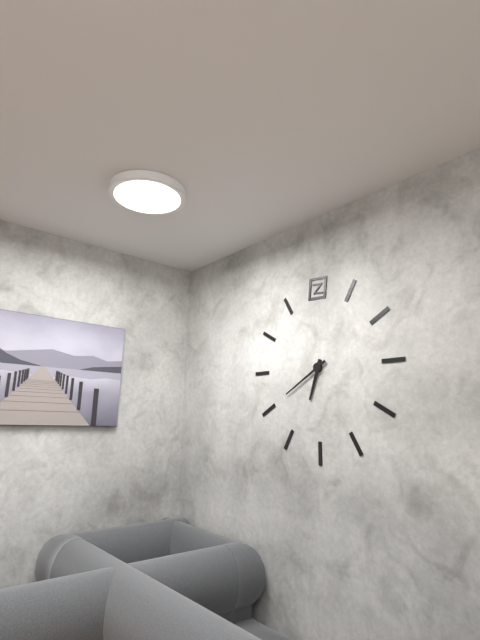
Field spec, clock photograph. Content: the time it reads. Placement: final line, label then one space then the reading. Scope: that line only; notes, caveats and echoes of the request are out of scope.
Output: 6:40
